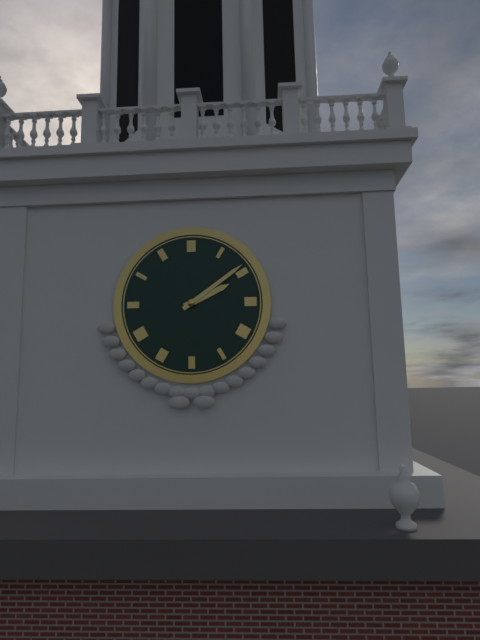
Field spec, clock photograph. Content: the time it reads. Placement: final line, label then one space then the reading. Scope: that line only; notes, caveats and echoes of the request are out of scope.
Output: 2:09
